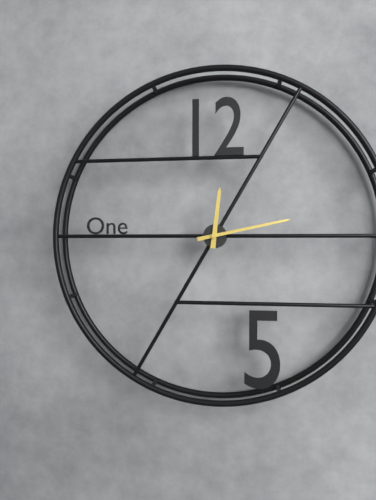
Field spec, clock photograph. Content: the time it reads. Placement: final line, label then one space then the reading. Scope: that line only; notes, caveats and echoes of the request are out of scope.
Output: 12:13
